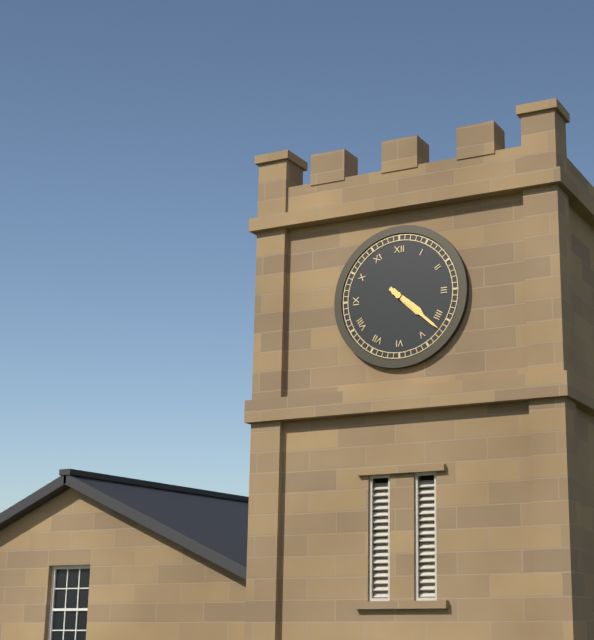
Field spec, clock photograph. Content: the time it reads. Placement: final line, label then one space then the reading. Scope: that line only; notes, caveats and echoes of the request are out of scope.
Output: 4:22
